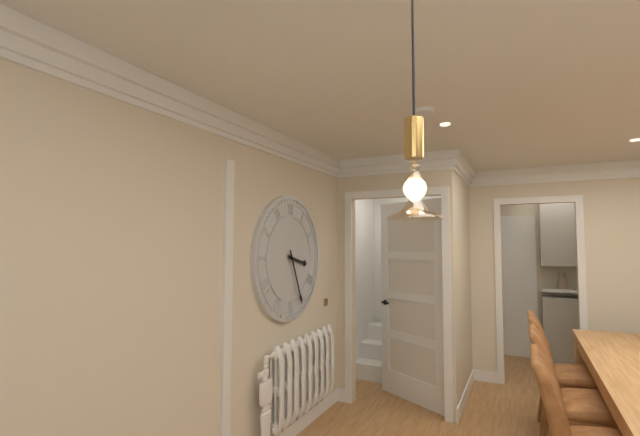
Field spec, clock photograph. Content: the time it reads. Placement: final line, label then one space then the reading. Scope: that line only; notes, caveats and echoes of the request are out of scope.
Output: 3:26
